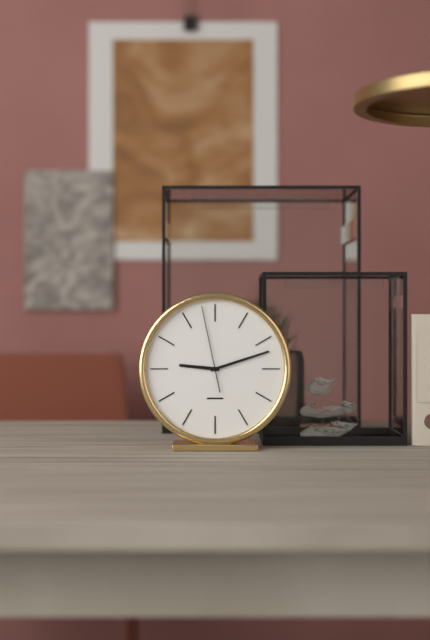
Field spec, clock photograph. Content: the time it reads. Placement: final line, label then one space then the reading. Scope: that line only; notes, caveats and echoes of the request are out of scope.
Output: 9:12:58
